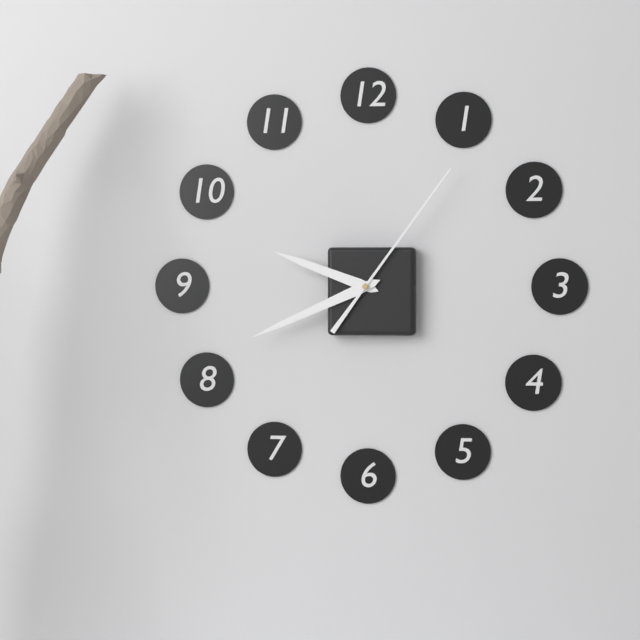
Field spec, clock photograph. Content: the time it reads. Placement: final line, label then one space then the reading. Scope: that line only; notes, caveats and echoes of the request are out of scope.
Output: 9:41:06
